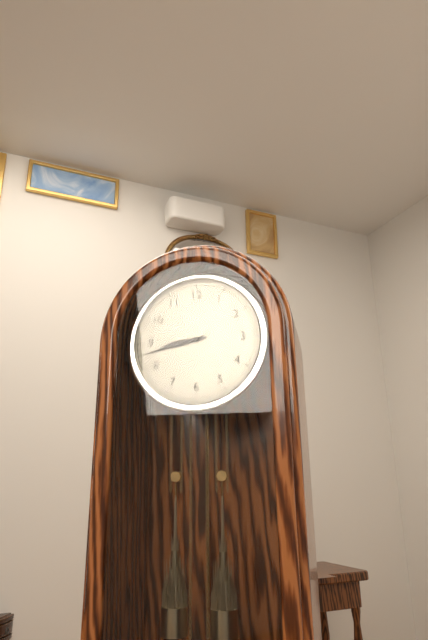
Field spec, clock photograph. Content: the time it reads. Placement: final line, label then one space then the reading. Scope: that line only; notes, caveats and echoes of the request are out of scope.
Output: 8:43
